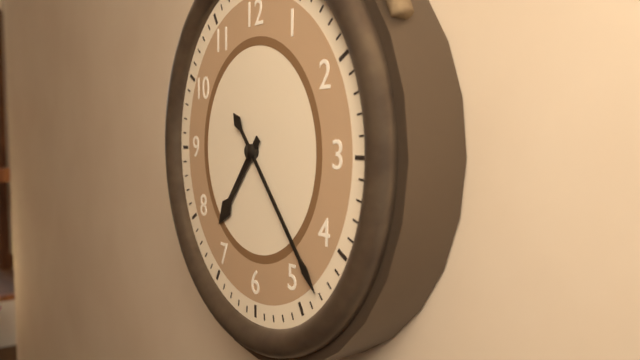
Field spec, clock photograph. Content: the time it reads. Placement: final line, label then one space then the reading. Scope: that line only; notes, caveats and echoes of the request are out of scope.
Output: 7:23
